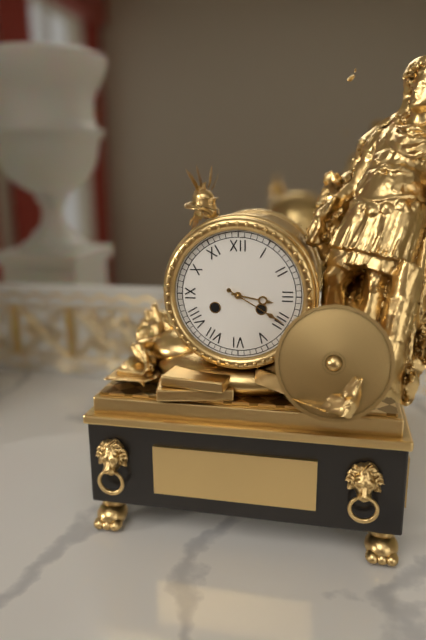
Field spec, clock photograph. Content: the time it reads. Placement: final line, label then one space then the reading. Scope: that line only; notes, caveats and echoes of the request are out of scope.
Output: 3:20
